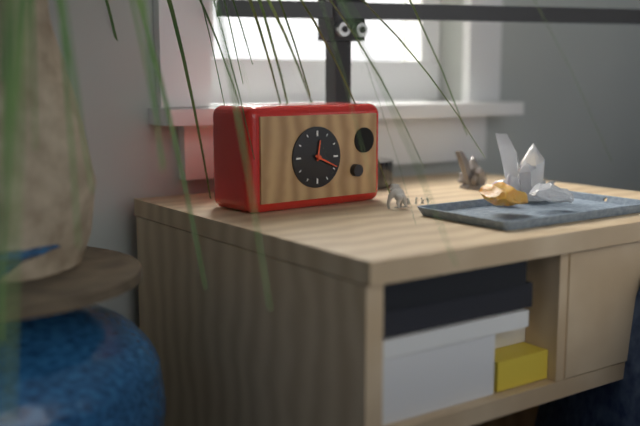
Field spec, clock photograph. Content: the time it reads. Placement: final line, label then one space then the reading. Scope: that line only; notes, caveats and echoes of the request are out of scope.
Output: 12:19
